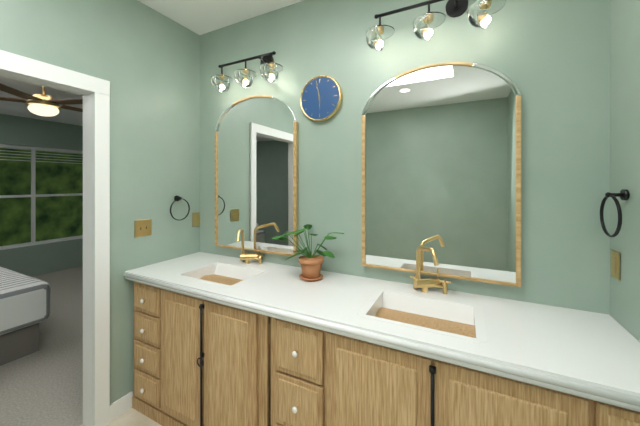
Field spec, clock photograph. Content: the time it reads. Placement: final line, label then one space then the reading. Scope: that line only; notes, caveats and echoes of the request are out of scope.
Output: 5:58
